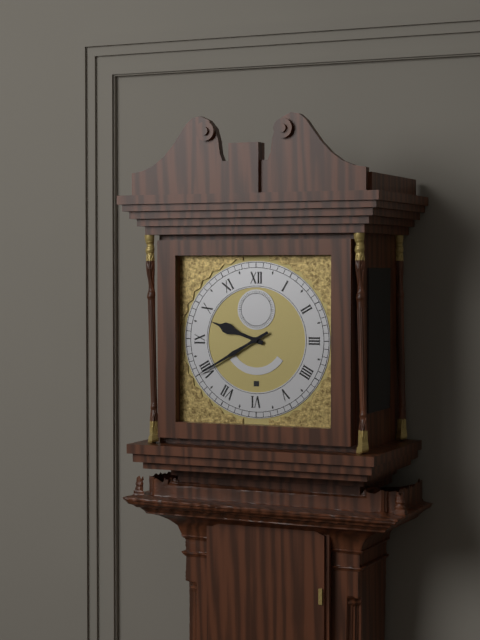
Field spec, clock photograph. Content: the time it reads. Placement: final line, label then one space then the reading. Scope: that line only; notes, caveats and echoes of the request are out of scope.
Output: 9:40
